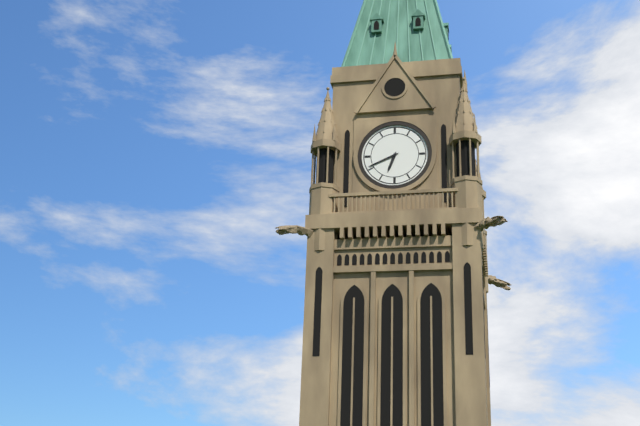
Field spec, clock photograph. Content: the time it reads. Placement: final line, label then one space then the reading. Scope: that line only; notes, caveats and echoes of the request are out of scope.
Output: 6:41
